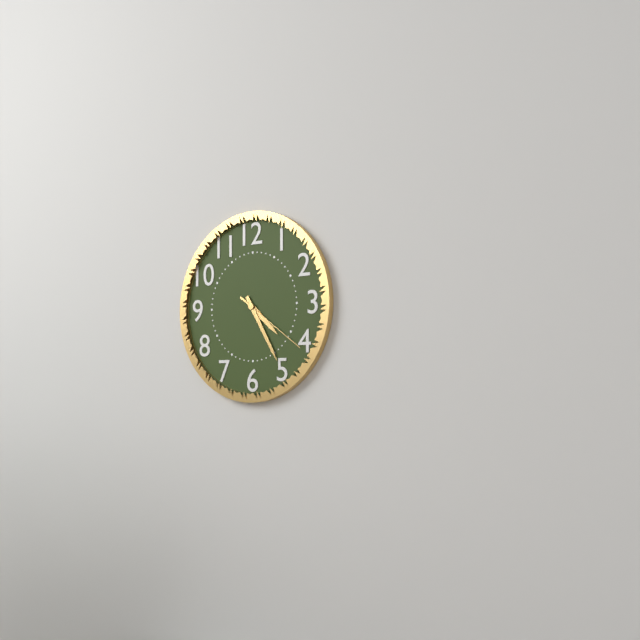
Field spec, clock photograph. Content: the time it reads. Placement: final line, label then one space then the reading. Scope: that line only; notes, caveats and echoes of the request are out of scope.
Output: 4:25:21
